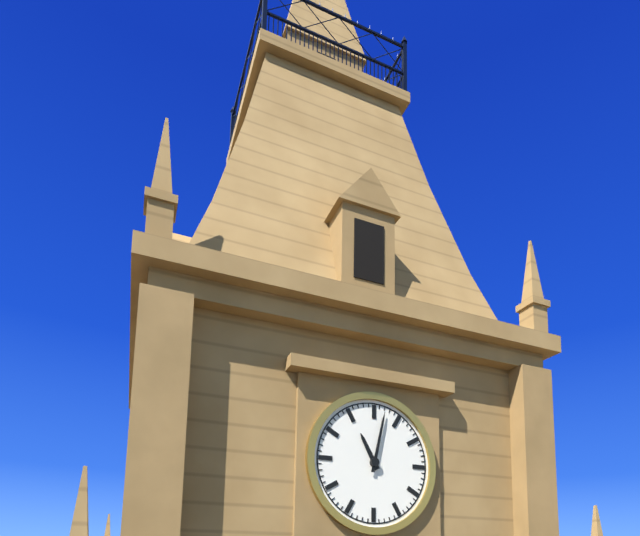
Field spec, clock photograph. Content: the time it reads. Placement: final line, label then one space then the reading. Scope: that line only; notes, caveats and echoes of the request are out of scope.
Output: 11:02
